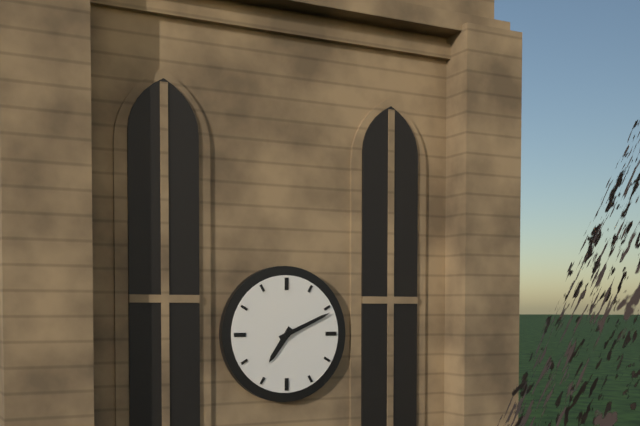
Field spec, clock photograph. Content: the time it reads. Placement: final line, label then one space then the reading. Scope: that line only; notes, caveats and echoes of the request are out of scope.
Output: 7:11
